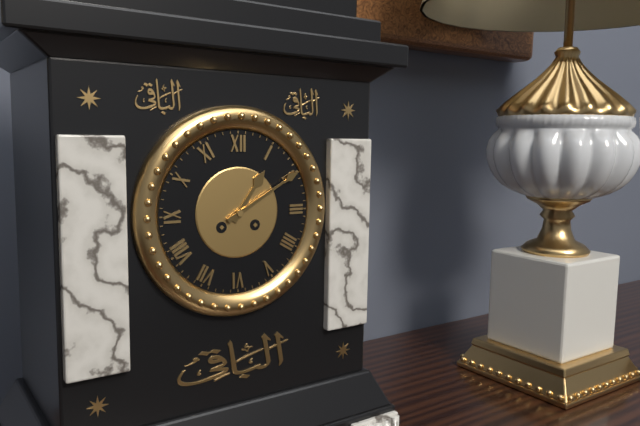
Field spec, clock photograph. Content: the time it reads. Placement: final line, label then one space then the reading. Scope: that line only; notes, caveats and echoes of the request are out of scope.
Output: 1:10
